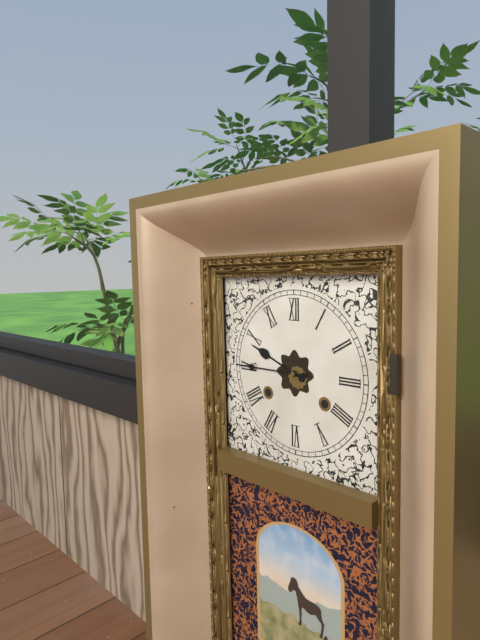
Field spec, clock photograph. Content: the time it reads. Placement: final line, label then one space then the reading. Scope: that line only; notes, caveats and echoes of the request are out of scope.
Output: 9:45
